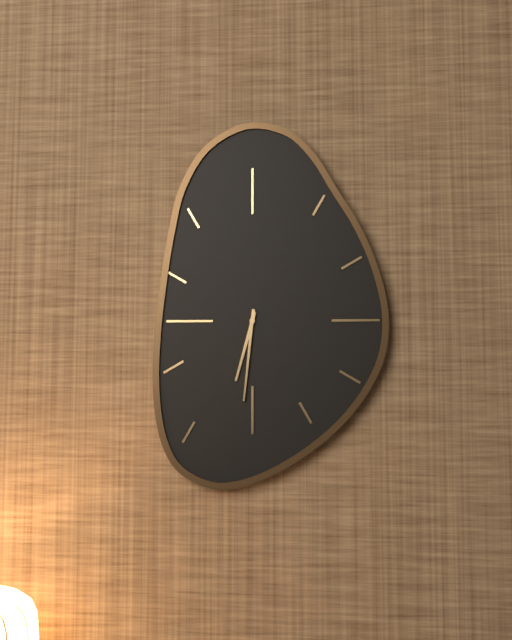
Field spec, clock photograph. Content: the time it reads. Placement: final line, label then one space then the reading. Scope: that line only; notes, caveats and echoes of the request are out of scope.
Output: 6:31
